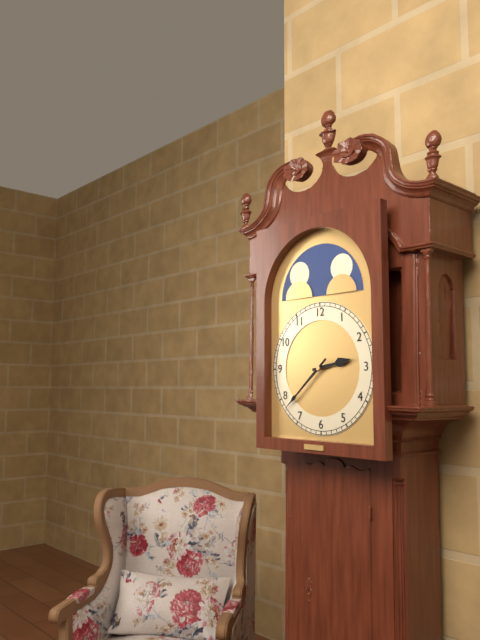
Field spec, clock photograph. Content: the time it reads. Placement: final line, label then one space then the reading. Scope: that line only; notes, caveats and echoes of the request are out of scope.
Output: 2:38
